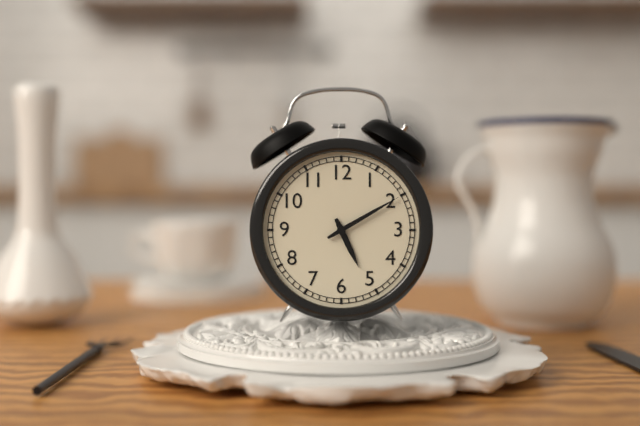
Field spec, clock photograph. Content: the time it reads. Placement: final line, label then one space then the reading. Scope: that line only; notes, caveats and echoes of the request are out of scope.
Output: 5:10
